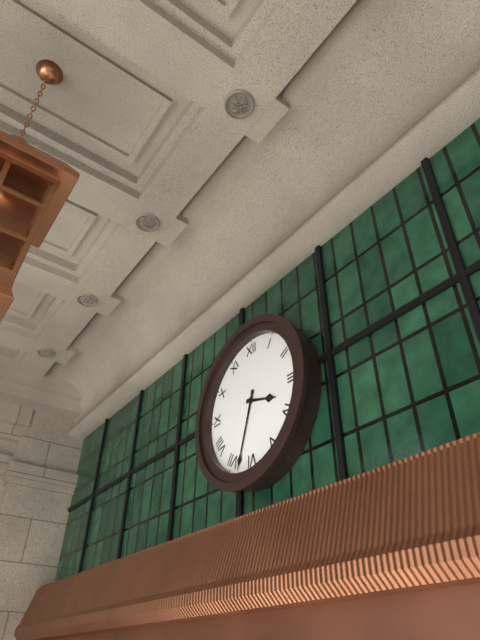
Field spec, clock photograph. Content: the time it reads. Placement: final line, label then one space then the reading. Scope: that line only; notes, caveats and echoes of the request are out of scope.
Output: 3:33
